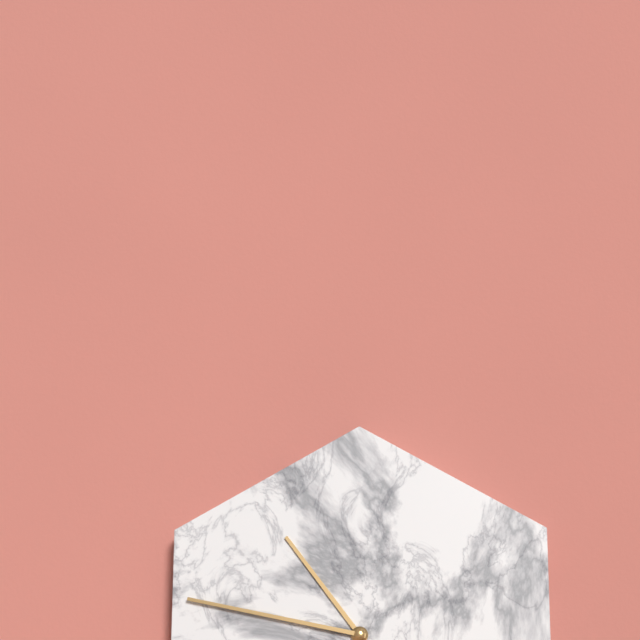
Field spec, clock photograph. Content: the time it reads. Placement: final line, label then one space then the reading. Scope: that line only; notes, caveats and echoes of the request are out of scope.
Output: 10:47
